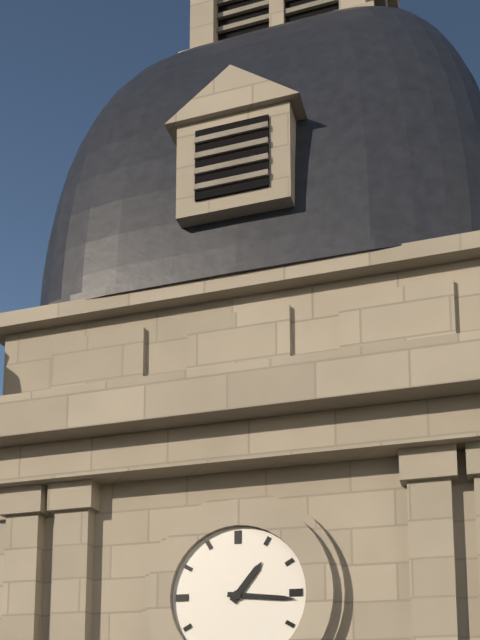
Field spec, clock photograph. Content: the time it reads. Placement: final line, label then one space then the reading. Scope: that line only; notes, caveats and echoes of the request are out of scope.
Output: 1:16
